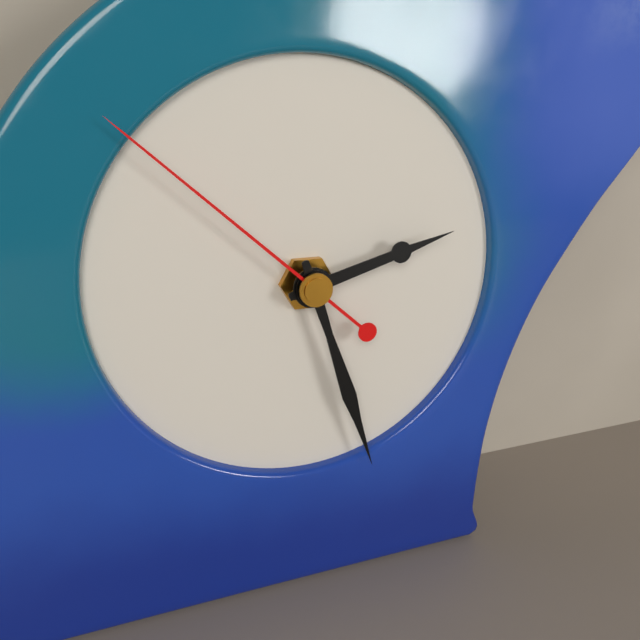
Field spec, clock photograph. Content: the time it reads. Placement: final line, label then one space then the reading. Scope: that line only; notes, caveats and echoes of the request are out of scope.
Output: 2:27:52
